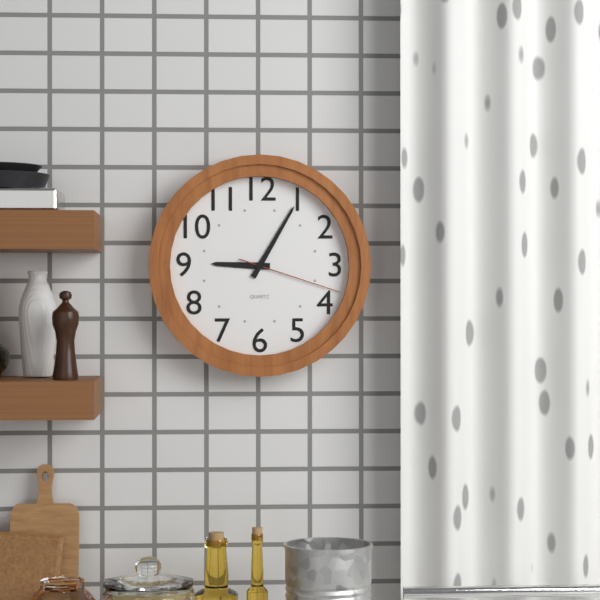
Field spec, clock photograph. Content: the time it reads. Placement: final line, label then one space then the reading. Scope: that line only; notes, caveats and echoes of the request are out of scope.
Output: 9:05:18
